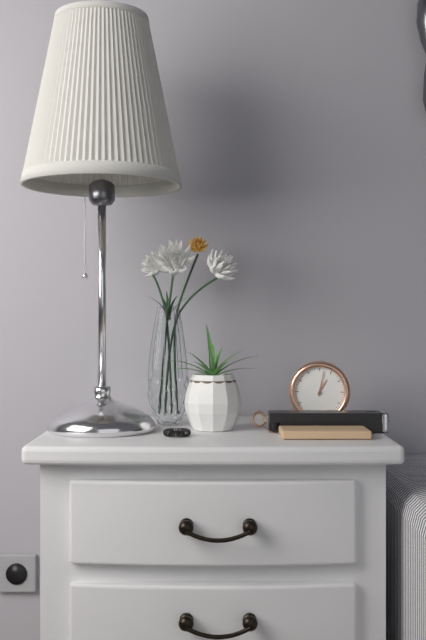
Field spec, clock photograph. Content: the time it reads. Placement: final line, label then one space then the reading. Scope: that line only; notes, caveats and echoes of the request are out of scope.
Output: 1:02
